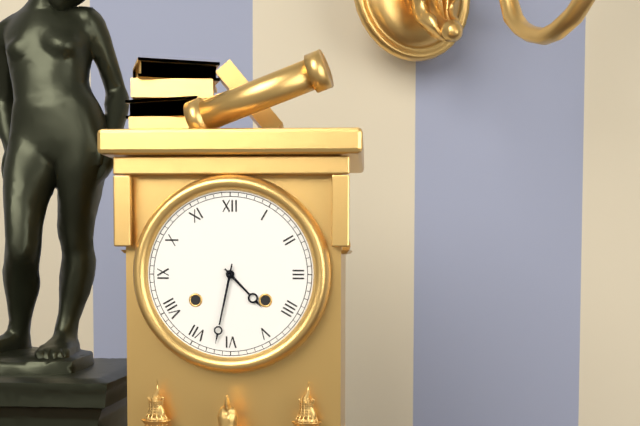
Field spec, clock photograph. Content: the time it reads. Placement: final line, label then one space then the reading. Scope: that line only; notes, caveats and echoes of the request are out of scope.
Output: 4:32
